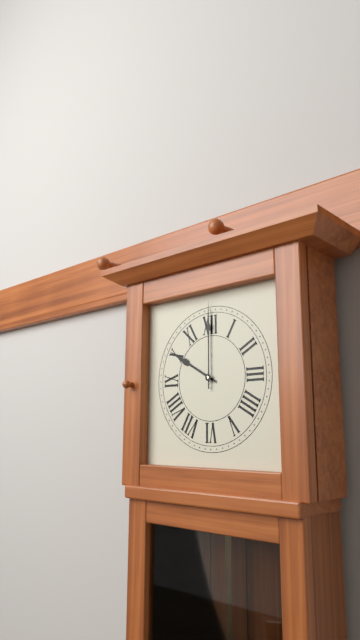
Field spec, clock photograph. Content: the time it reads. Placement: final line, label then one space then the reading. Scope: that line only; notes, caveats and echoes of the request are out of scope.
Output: 10:00
